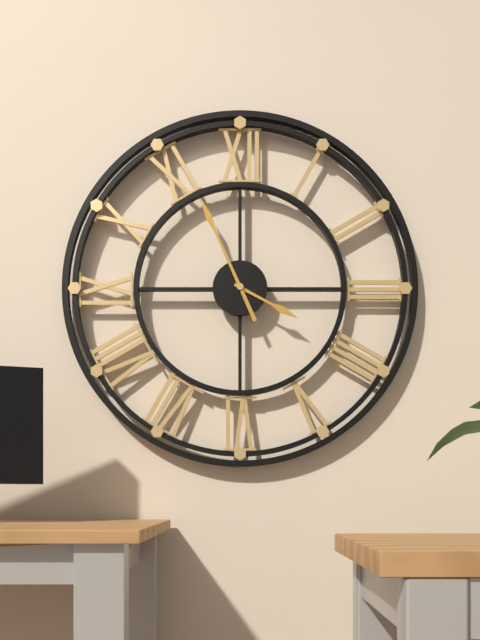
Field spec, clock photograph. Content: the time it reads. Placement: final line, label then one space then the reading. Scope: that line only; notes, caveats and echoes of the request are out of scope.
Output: 3:56
